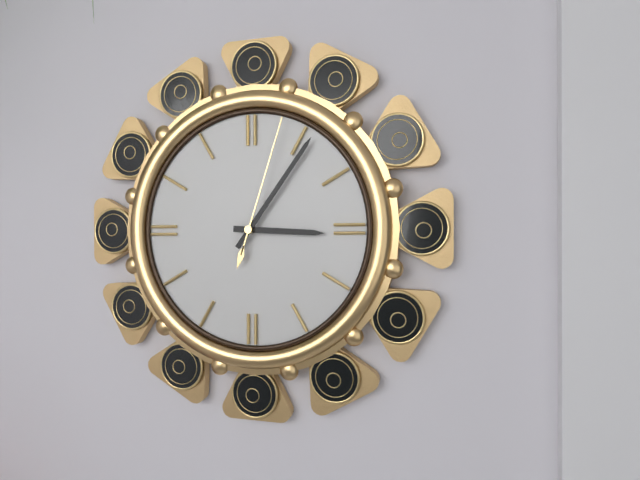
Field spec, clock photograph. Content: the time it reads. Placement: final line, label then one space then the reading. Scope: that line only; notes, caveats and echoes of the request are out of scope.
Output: 3:06:03
